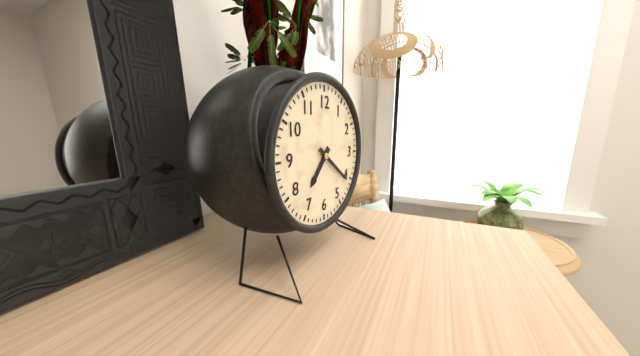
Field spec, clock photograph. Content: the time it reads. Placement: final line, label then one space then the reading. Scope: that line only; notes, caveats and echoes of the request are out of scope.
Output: 7:21
